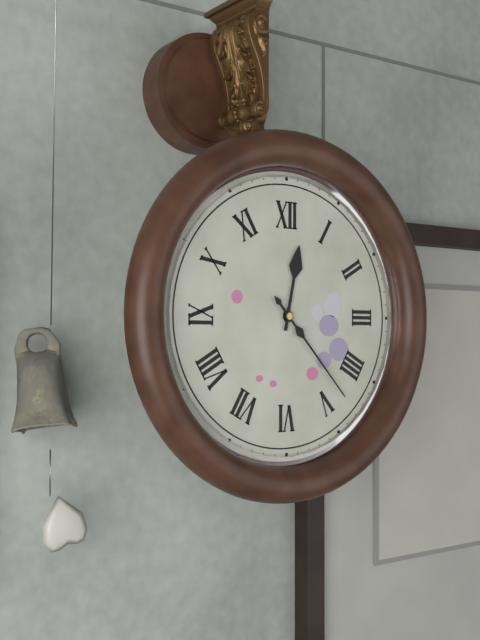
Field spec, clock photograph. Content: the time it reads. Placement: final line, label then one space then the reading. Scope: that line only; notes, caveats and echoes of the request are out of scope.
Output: 12:23
